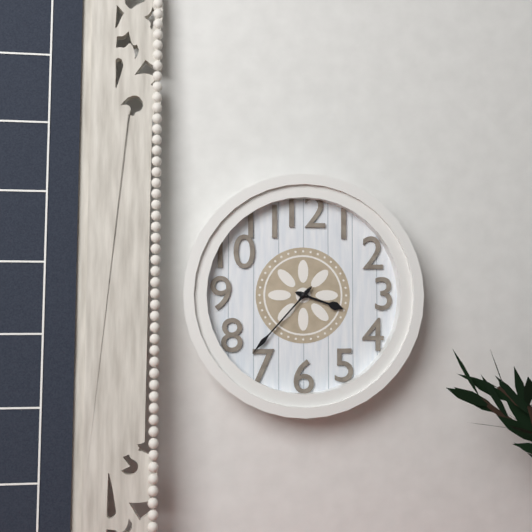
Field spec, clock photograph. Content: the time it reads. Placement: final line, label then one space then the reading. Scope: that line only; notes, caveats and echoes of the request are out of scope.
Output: 3:37
